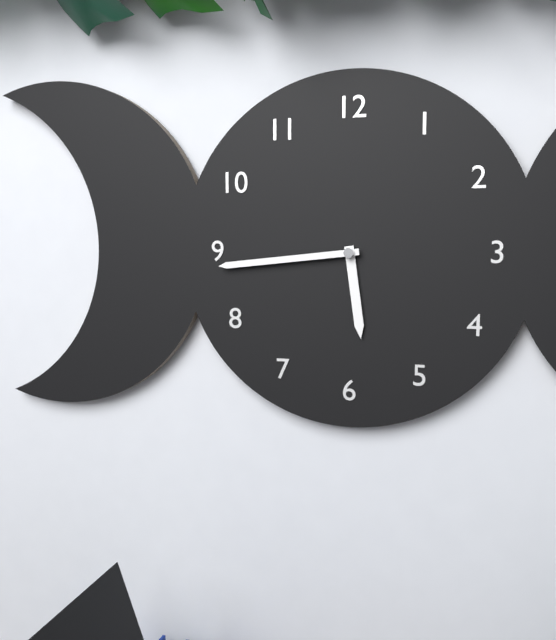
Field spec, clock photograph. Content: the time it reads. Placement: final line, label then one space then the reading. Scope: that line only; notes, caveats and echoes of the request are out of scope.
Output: 5:44
